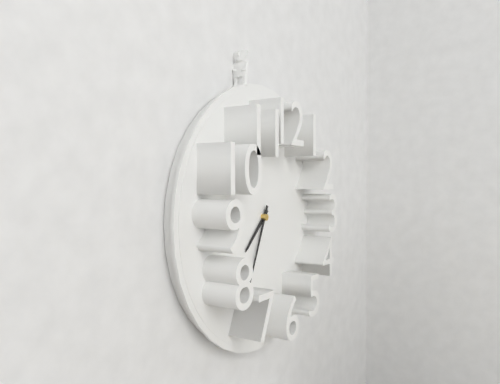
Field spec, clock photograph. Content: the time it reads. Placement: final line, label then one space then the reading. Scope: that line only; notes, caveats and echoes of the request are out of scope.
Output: 7:34
